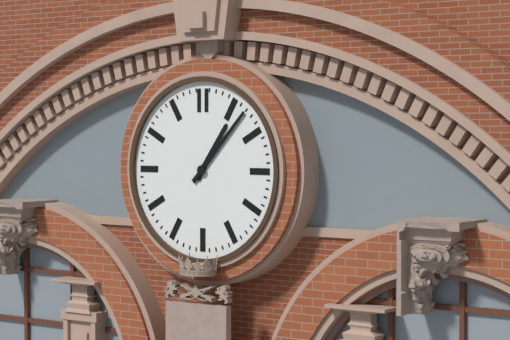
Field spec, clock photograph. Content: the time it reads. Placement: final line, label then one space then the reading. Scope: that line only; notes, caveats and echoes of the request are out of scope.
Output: 1:07
